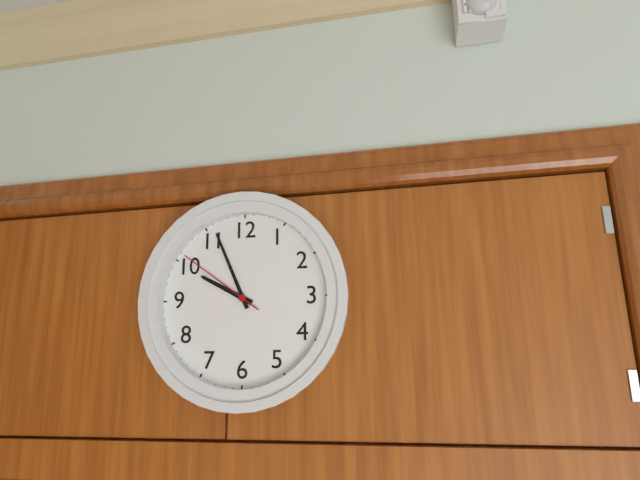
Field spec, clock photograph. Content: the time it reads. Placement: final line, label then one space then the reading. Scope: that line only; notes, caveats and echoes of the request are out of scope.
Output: 9:56:51
